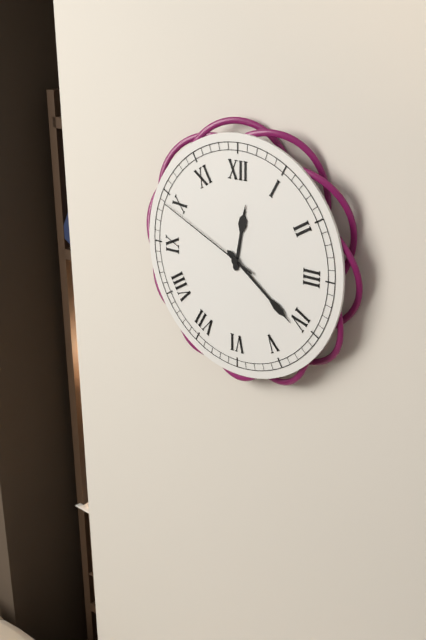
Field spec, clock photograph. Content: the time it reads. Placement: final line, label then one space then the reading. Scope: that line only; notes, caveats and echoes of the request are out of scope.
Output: 12:21:49
